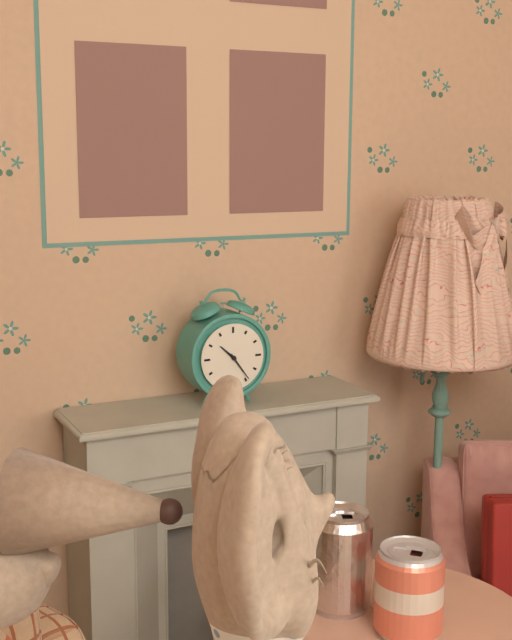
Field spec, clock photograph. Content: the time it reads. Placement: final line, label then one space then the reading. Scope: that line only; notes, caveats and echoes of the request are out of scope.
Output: 10:24
